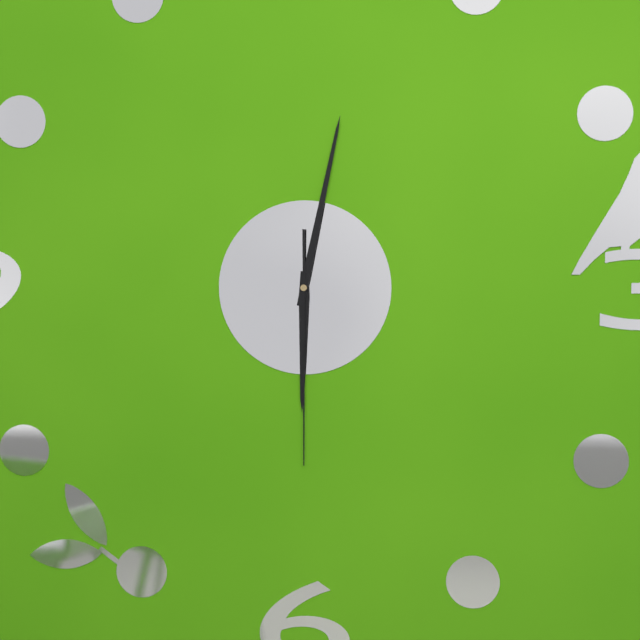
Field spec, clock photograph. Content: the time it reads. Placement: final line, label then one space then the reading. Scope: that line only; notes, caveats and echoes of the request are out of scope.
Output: 6:02:30
